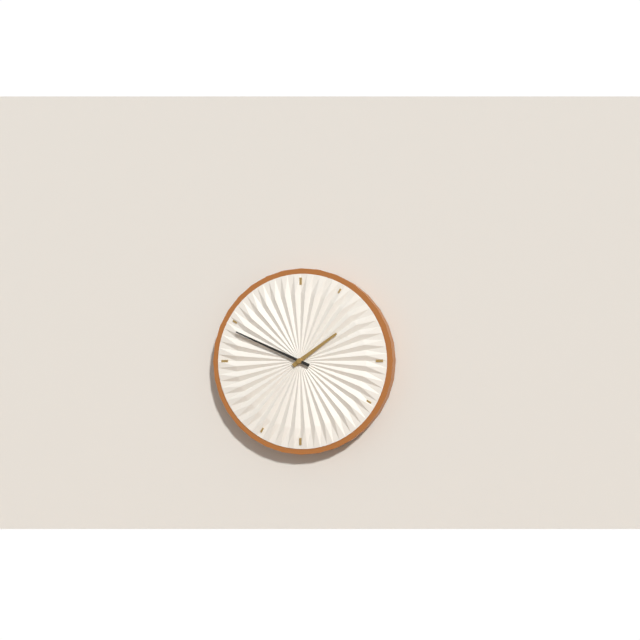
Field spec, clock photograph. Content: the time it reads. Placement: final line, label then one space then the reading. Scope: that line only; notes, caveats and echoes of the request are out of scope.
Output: 1:49
